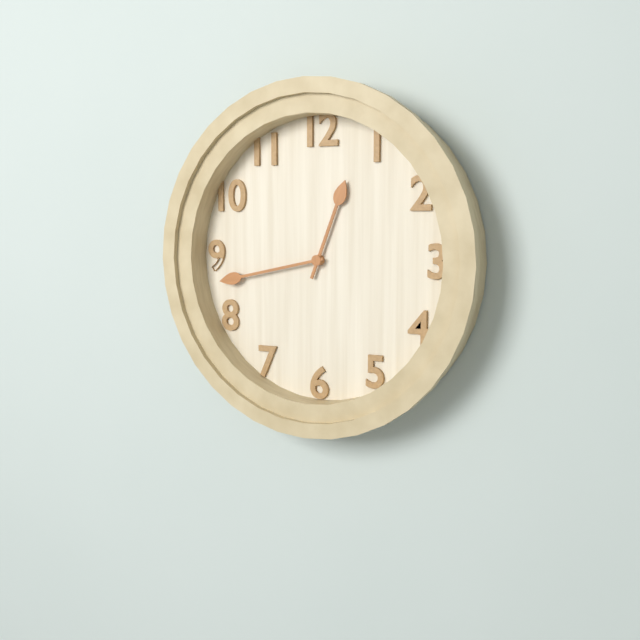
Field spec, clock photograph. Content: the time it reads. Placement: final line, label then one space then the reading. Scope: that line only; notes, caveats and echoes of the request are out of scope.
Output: 12:43
